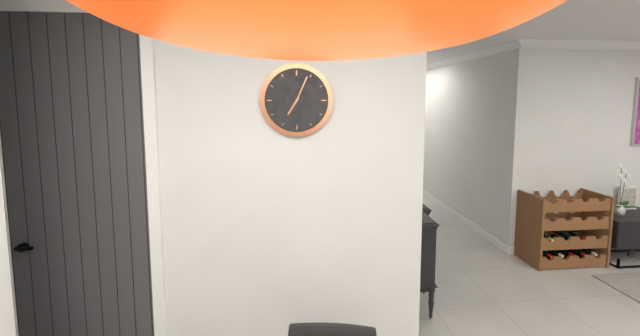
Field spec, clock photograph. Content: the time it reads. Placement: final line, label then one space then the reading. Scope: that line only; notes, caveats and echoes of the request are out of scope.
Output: 7:04
